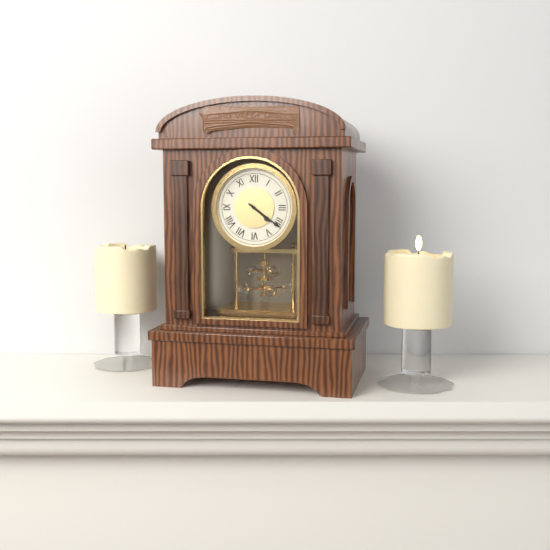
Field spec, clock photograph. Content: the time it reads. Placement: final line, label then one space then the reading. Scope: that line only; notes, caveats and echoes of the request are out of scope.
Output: 4:21
